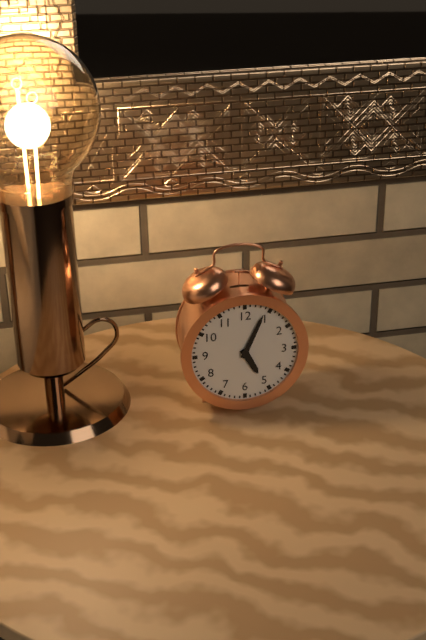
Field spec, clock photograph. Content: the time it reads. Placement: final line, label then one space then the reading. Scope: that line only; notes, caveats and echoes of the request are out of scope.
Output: 5:04
